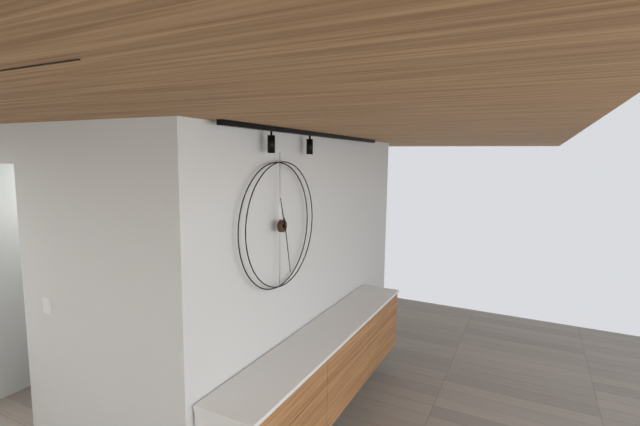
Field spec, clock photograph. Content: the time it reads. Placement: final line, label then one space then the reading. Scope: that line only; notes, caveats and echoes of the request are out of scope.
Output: 11:28
